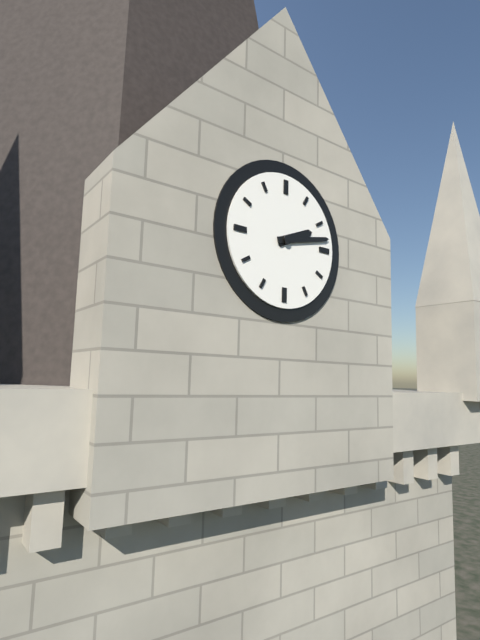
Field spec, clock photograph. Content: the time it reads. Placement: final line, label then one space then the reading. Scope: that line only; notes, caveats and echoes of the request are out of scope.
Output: 2:13
